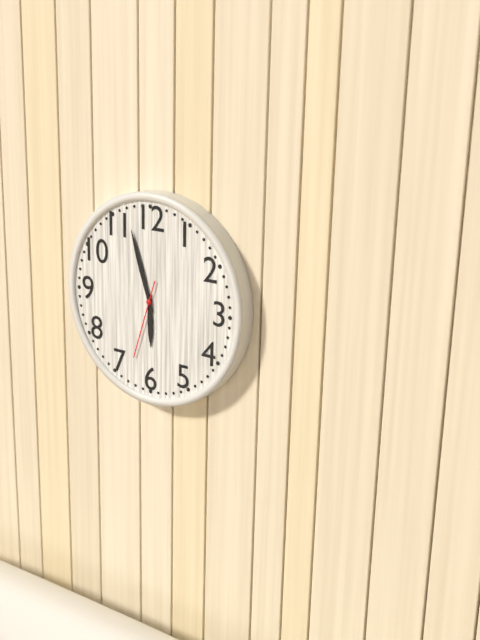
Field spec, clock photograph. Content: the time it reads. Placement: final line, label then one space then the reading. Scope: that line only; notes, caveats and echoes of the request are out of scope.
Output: 5:57:33
